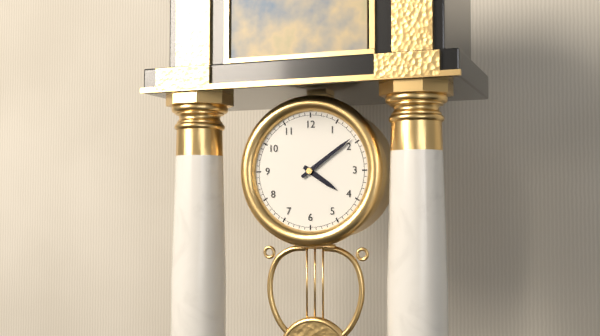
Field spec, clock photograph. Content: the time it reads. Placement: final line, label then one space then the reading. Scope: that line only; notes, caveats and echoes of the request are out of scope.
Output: 4:09
